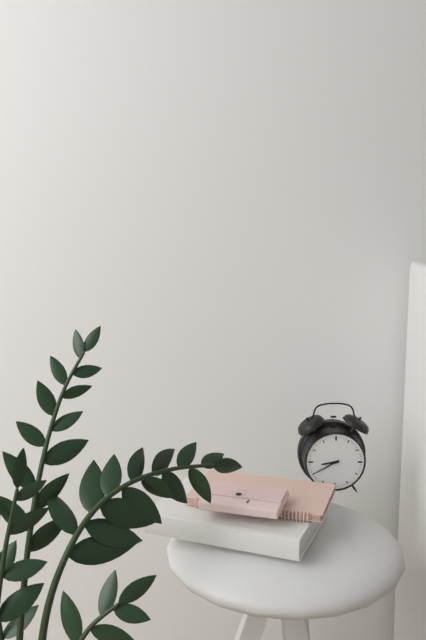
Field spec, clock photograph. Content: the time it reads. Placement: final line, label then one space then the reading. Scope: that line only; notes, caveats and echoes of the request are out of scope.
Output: 8:40
